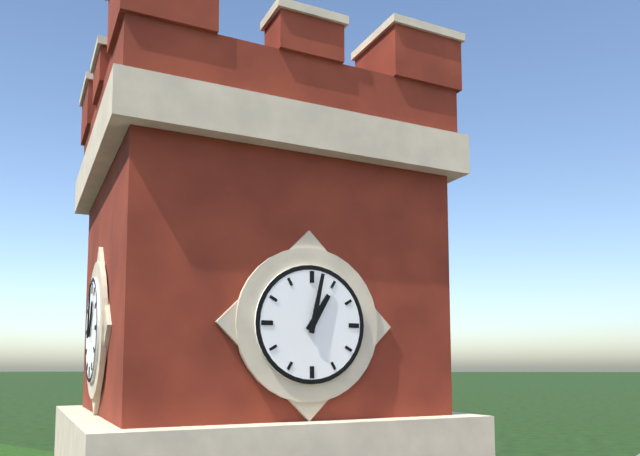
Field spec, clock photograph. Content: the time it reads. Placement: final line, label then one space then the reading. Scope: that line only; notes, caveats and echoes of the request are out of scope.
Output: 1:02
